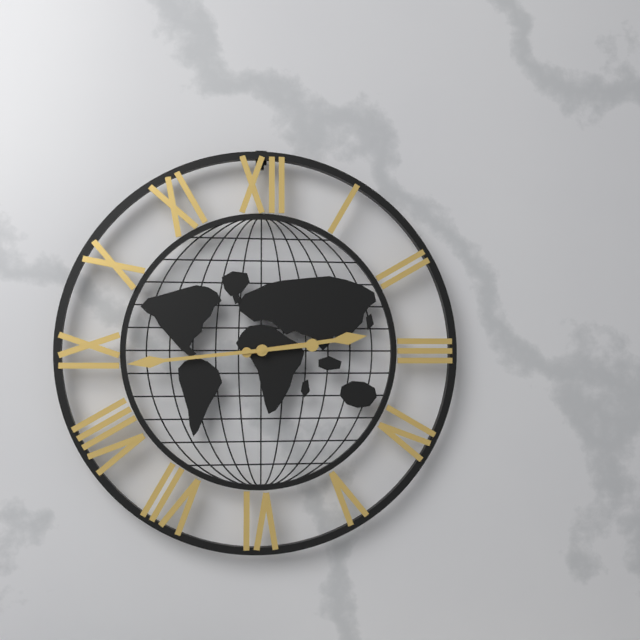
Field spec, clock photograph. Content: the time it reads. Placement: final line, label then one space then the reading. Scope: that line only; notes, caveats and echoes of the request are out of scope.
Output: 2:44
